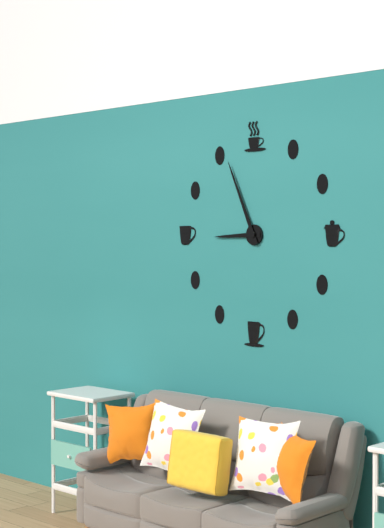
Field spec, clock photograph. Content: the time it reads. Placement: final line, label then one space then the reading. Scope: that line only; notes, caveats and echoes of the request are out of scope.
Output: 8:56
